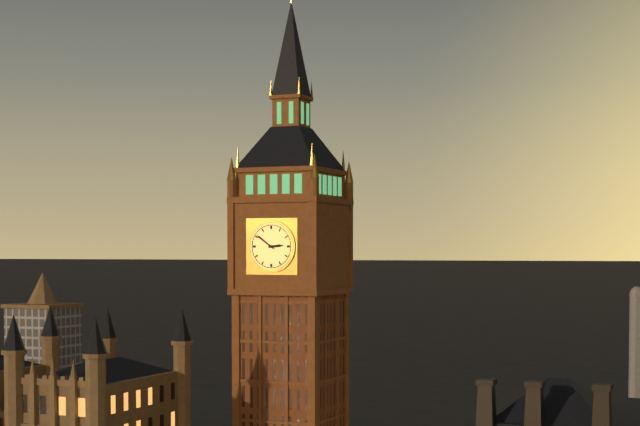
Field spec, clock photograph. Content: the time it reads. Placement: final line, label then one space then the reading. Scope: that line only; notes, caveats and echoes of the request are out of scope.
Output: 2:51
